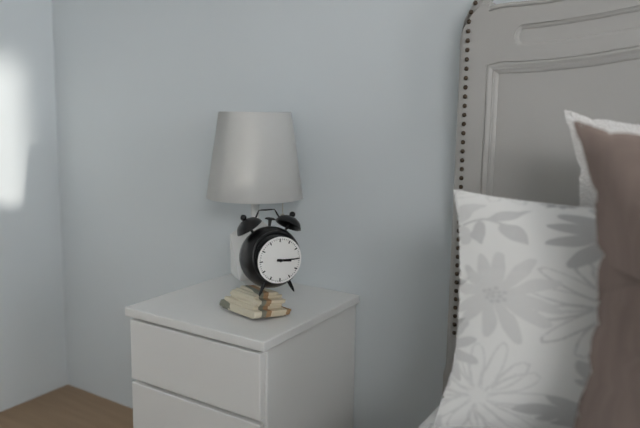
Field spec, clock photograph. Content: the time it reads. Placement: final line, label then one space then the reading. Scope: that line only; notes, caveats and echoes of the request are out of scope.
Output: 3:15
